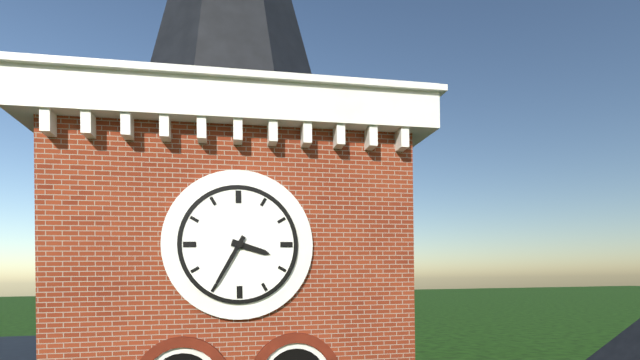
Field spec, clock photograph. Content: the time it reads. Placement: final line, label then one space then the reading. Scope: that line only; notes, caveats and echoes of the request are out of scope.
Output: 3:35
